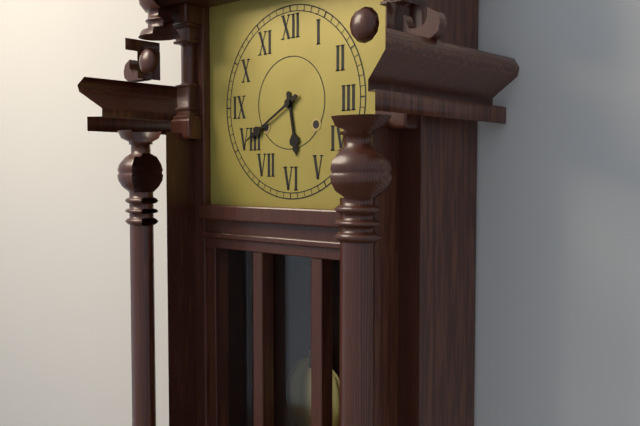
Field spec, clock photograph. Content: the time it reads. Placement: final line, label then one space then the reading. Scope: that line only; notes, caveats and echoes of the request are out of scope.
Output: 5:40
